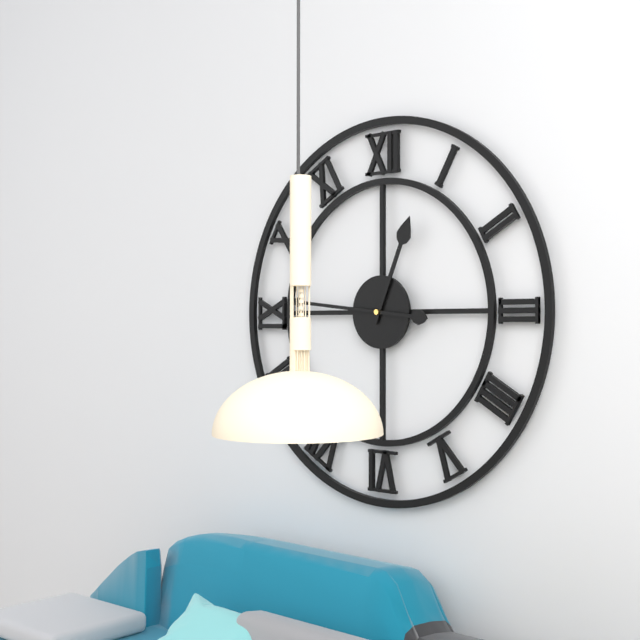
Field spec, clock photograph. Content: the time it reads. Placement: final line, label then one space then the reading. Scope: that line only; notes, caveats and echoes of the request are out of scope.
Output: 12:46
